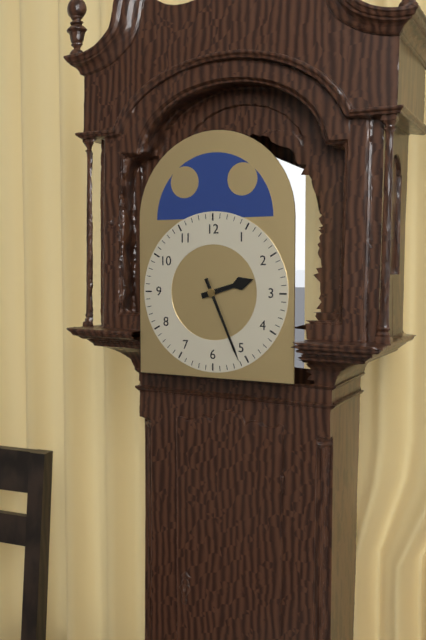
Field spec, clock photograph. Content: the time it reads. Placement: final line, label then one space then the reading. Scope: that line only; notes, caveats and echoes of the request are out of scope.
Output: 2:26
